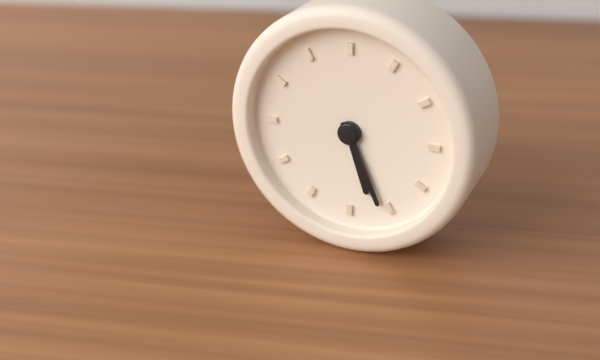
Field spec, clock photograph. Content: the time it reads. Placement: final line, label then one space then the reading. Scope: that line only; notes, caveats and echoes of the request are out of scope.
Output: 5:26
